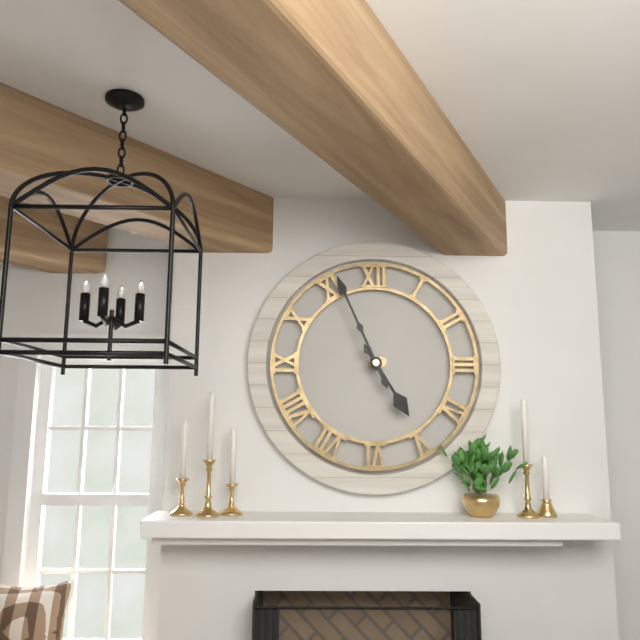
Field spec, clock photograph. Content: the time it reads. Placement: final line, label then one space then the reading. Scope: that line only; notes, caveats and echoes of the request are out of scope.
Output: 4:56
